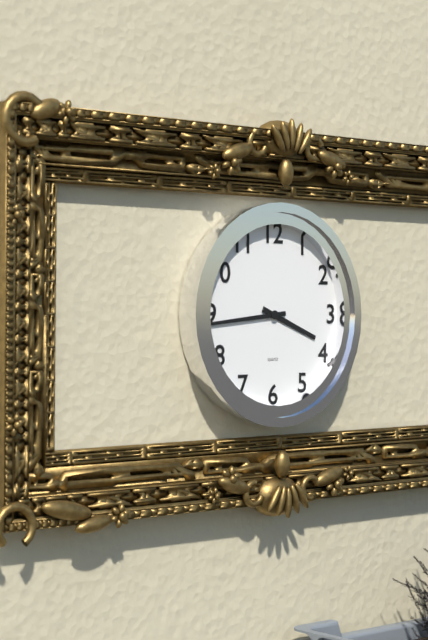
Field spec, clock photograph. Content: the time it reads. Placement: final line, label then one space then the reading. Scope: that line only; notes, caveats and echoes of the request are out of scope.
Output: 3:44
